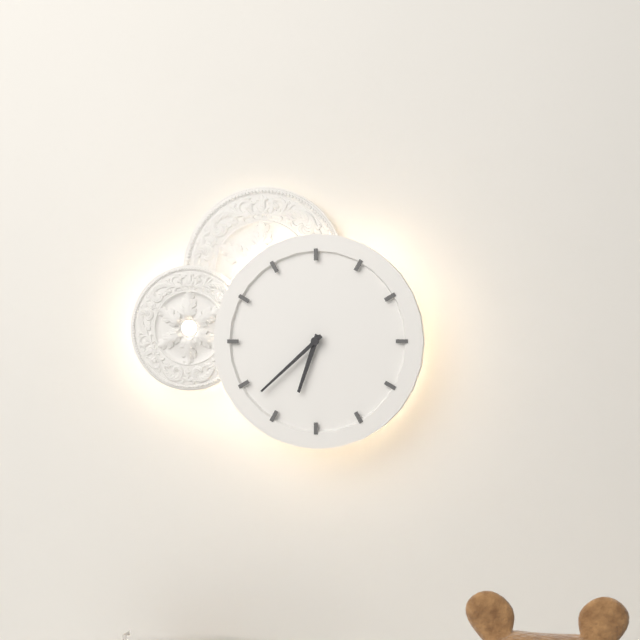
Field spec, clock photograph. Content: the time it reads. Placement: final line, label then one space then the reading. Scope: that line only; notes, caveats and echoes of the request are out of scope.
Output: 6:38
